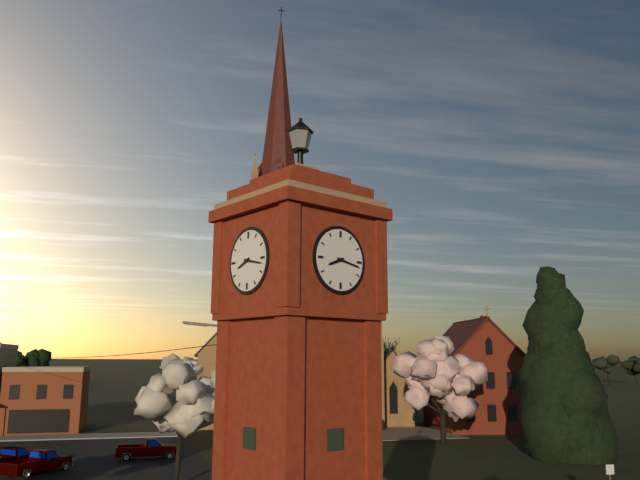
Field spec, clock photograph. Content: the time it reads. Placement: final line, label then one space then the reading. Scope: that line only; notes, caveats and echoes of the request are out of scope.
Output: 8:17
